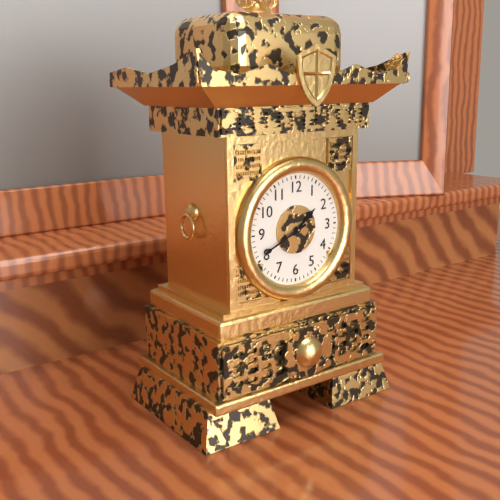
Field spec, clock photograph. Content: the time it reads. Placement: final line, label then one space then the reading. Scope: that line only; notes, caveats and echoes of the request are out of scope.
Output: 1:41
